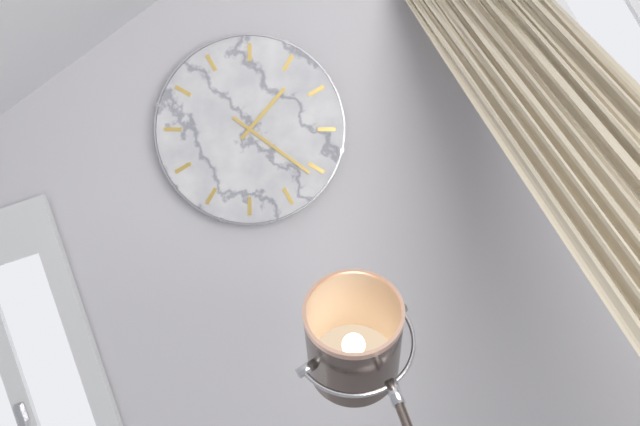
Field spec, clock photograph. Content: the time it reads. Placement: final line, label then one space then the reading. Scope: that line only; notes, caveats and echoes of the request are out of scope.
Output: 1:21
